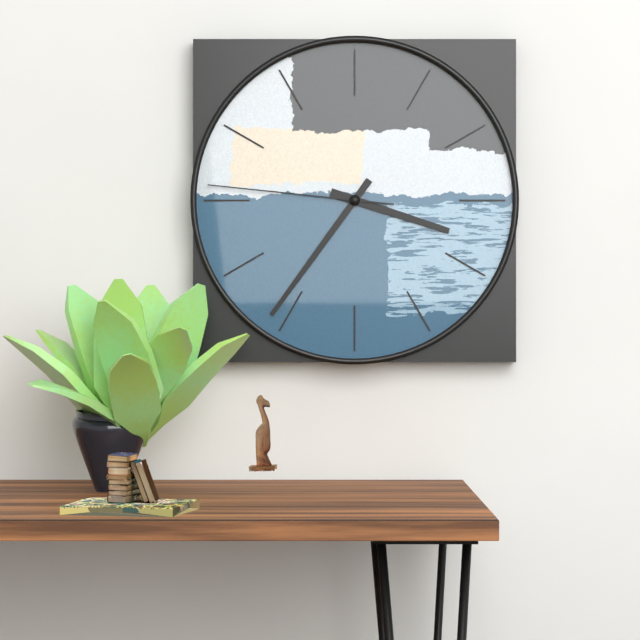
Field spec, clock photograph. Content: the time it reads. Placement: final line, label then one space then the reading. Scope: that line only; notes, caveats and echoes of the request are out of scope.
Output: 3:36:46
